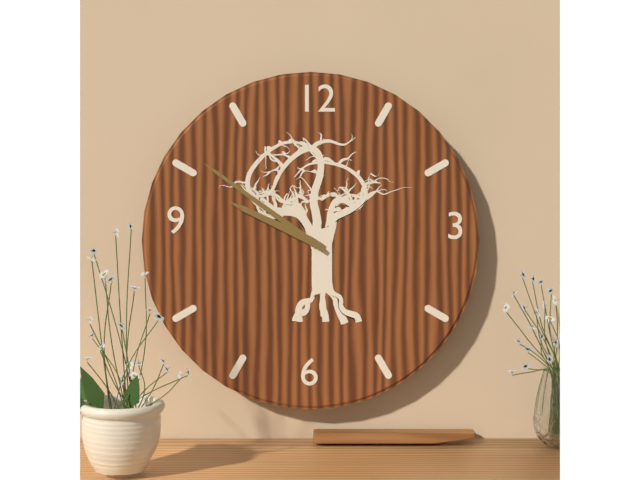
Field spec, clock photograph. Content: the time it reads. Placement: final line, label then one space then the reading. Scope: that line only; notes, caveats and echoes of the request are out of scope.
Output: 9:51
